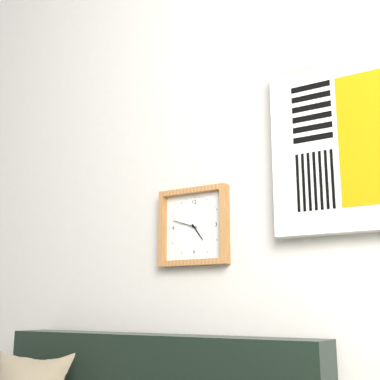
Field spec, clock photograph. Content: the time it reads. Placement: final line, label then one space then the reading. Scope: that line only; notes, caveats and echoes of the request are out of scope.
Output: 4:48
